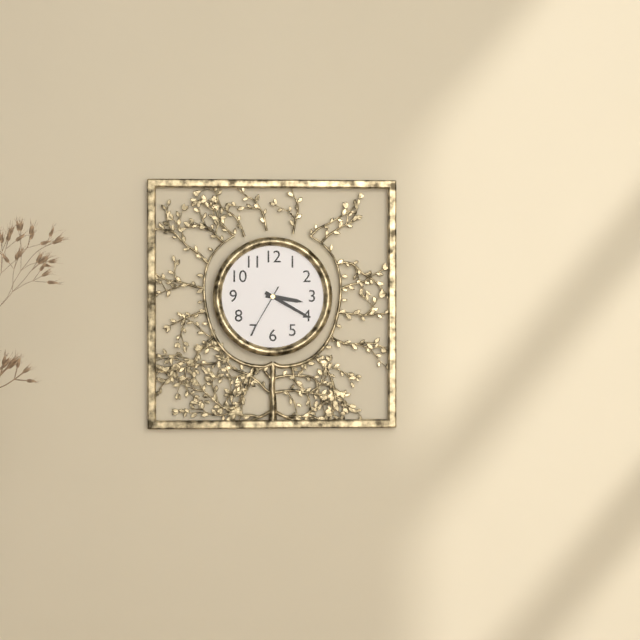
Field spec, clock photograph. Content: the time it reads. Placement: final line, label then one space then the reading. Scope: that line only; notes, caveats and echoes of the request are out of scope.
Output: 3:20:35
